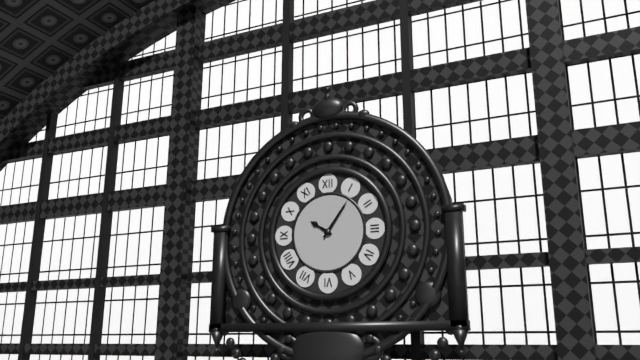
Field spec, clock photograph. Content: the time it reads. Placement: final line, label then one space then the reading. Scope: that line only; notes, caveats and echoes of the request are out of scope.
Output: 10:06
